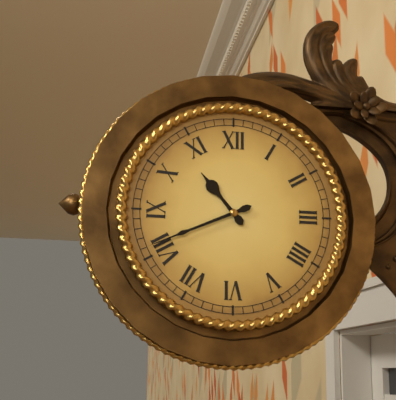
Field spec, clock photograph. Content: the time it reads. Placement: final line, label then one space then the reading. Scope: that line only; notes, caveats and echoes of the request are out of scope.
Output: 10:41
